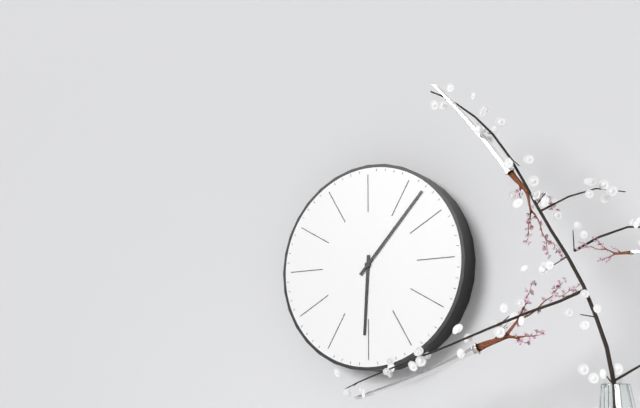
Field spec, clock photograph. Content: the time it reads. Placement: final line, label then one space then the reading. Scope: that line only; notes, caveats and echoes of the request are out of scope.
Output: 6:07
